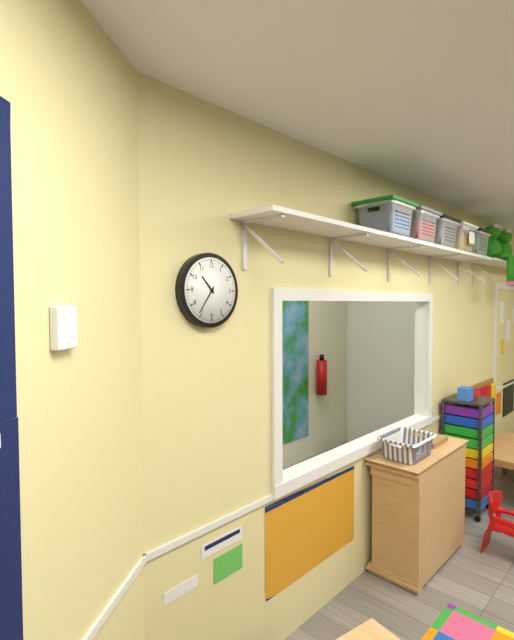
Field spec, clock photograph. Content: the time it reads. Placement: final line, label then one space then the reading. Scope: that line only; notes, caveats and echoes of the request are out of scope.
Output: 10:36
